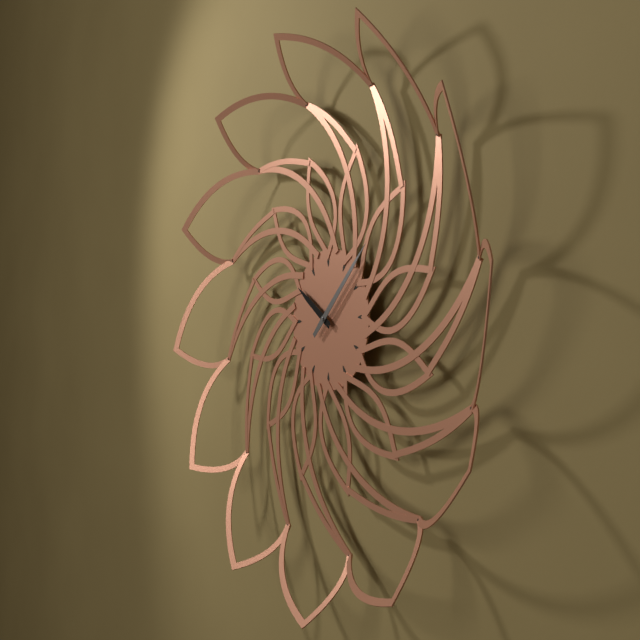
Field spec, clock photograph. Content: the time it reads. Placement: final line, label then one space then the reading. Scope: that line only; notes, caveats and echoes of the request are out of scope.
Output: 10:08
